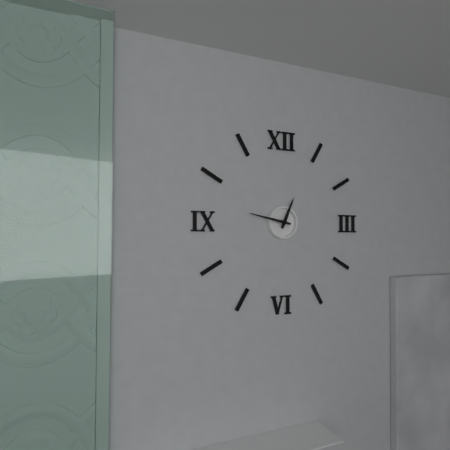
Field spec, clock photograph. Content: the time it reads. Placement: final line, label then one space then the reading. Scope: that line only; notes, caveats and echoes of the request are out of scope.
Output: 12:47
